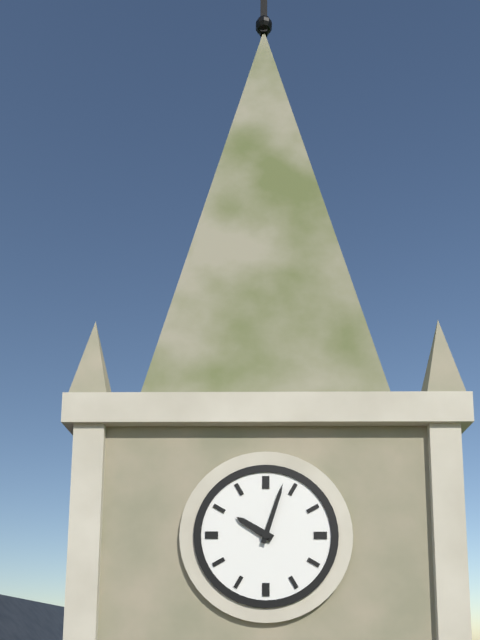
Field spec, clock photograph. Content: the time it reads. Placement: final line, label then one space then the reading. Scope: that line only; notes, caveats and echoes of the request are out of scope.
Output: 10:03
